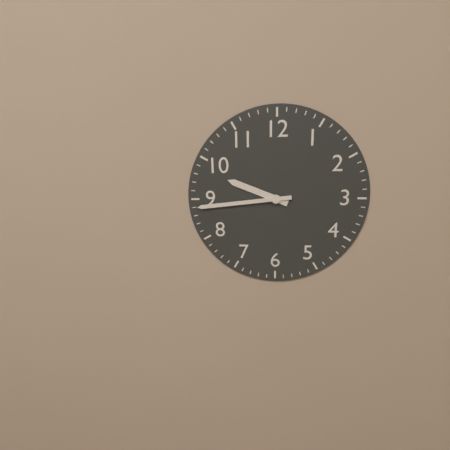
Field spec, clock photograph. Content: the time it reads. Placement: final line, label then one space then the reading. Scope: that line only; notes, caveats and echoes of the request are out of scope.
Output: 9:44
